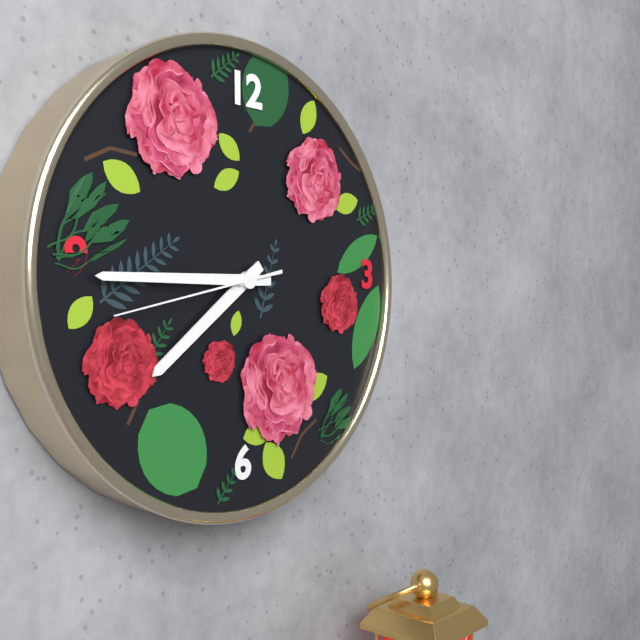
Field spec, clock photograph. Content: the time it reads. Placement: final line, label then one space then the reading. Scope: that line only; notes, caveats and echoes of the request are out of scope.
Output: 7:45:43
